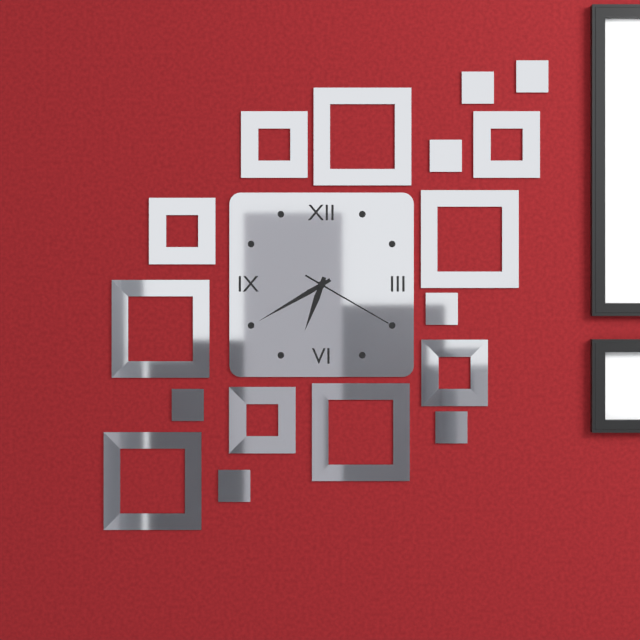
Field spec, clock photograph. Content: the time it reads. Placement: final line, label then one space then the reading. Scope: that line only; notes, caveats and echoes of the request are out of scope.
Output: 6:40:20
